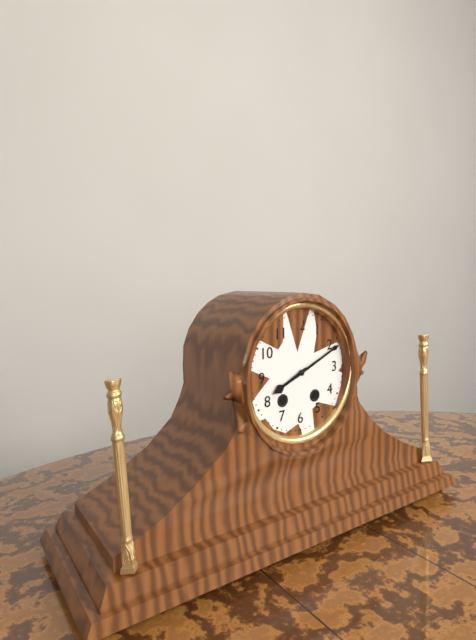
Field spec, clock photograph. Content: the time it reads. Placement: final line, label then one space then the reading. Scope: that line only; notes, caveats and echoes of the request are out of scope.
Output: 8:11
